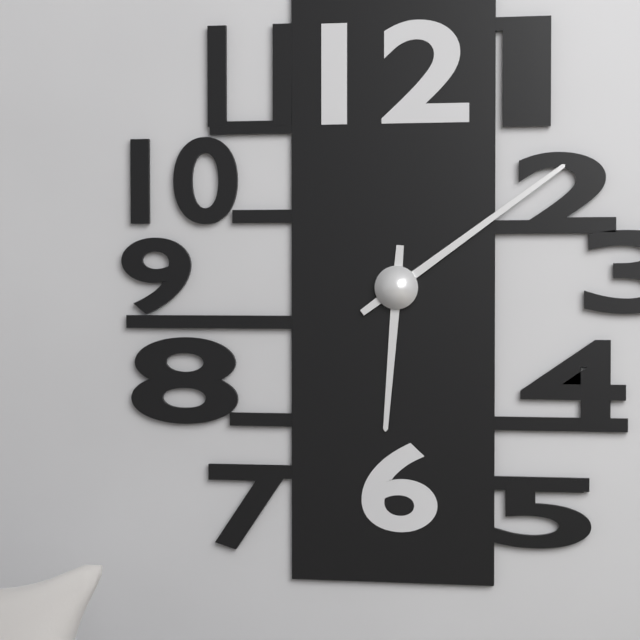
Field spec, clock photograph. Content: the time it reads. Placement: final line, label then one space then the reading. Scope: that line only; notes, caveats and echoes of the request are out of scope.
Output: 6:09
